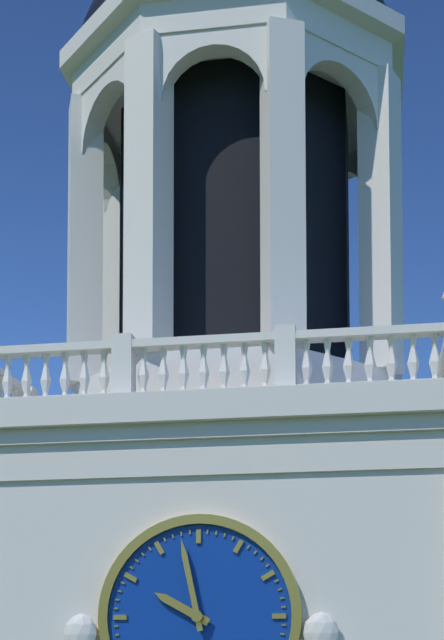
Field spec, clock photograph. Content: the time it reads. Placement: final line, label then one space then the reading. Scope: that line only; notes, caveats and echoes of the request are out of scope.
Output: 9:58
